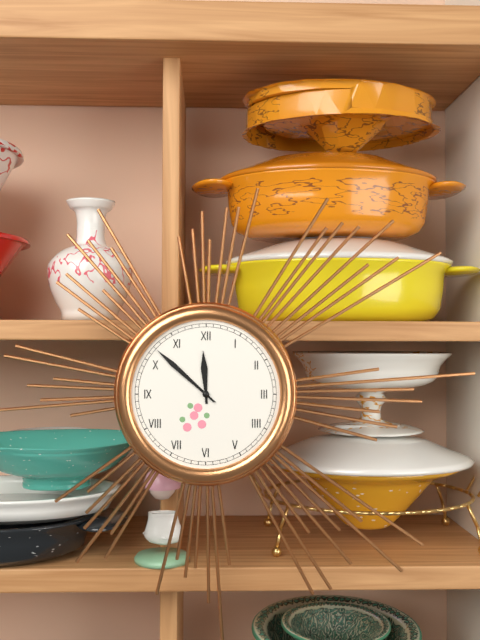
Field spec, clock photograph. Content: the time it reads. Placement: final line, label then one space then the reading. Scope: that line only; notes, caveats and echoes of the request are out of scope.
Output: 11:52
